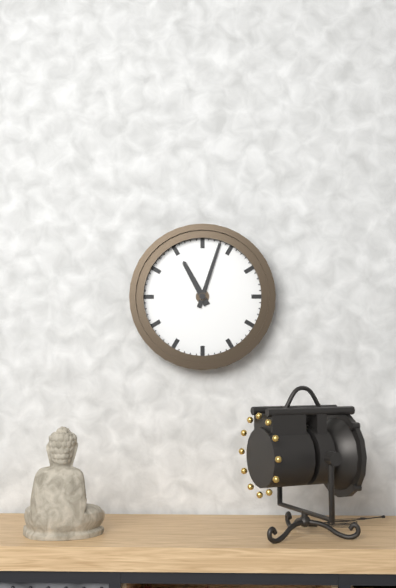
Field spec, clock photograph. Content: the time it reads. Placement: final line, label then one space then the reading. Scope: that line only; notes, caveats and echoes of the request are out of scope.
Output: 11:03
